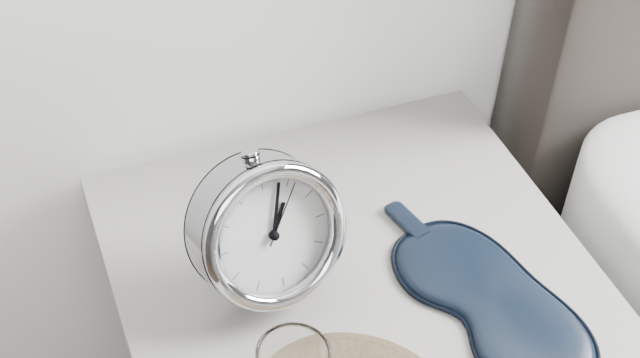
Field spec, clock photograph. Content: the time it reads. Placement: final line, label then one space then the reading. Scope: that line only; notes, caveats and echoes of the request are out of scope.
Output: 1:03:06
